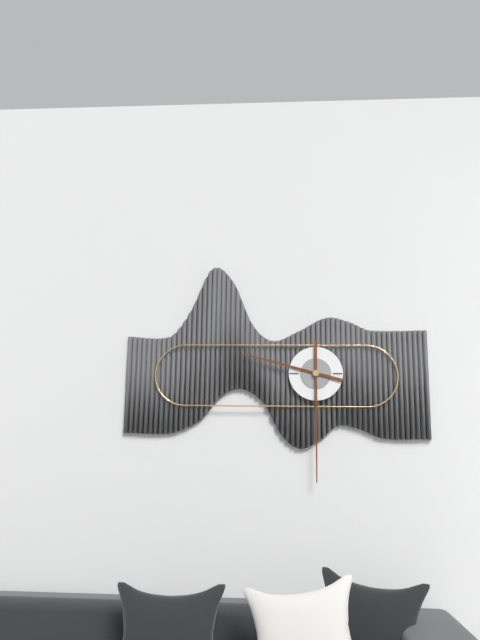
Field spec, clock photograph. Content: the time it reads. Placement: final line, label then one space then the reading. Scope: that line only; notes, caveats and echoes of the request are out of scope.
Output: 9:30
